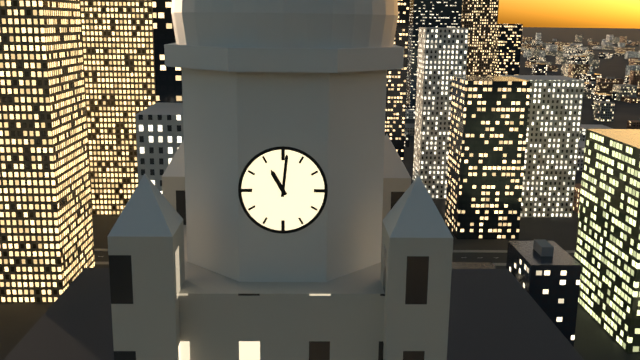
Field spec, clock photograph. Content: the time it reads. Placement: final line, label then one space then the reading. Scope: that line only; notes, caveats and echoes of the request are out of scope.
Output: 11:01
